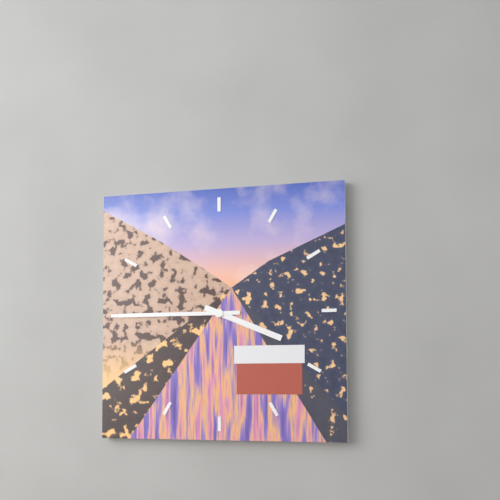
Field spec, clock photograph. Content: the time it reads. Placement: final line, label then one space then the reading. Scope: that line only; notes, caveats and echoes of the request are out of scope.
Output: 3:45
